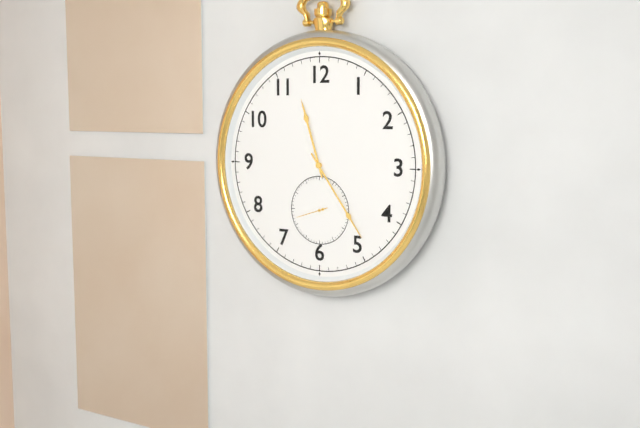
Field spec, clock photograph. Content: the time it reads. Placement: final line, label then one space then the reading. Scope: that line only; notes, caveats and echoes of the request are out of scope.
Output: 11:24
